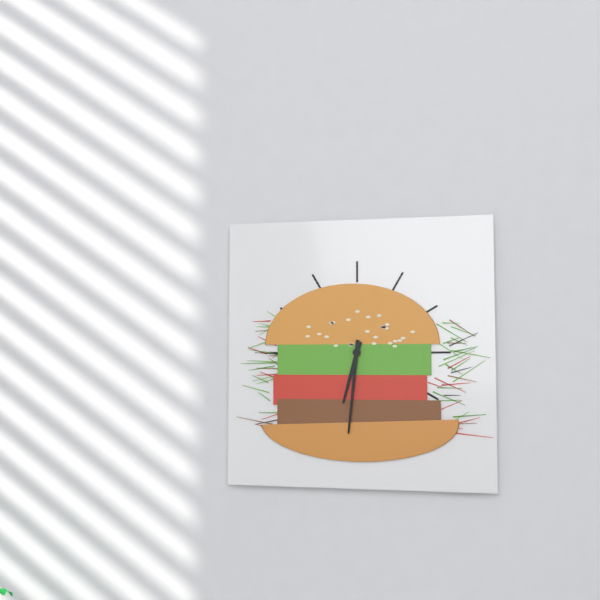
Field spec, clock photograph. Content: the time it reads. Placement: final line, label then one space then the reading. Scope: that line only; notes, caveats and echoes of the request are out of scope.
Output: 6:31
